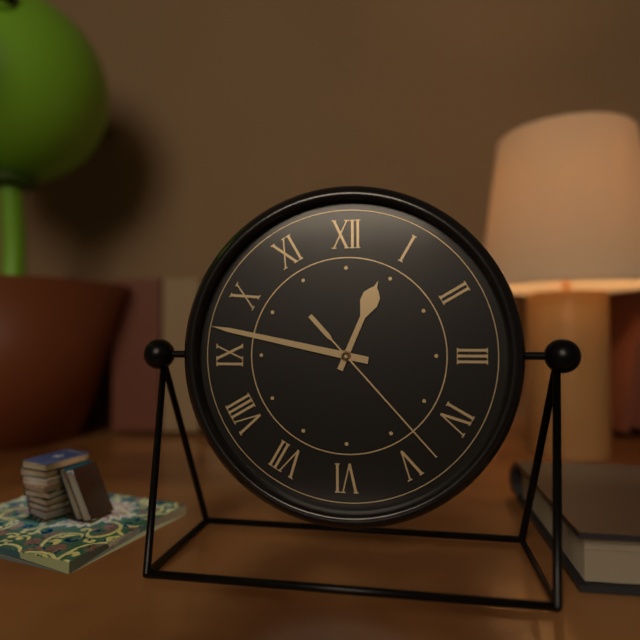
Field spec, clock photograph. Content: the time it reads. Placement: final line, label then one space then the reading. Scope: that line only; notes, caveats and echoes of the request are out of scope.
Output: 12:47:23
